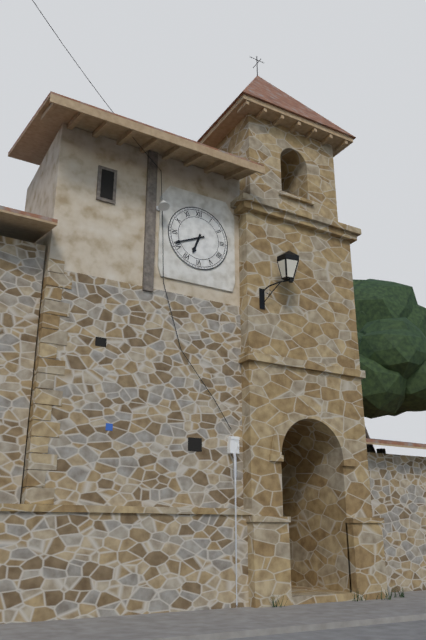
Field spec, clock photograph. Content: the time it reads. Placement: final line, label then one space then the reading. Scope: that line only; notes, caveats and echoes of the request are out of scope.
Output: 6:41
